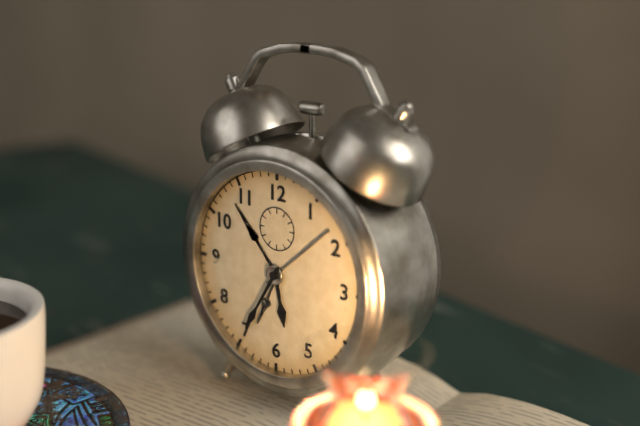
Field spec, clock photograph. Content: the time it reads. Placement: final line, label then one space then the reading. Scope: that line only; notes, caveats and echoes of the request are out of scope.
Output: 5:35
